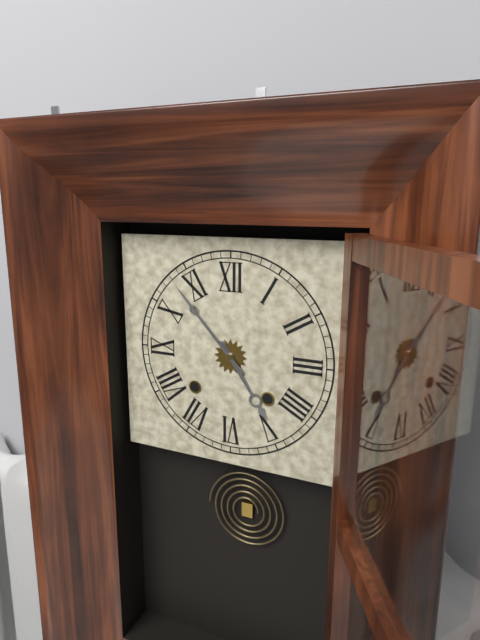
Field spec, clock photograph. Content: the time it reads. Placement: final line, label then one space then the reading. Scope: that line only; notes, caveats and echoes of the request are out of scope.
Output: 4:53
